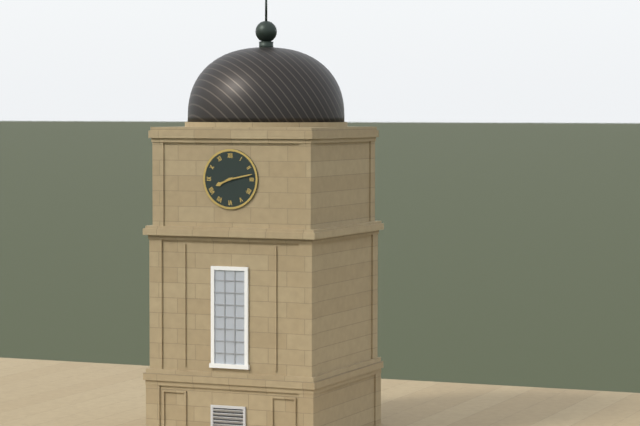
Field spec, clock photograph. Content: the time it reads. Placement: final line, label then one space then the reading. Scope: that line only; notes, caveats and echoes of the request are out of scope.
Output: 8:13
